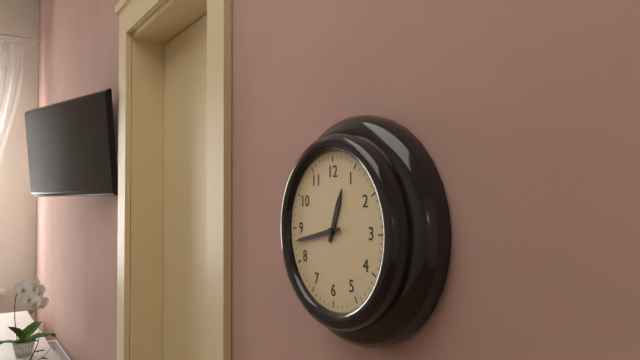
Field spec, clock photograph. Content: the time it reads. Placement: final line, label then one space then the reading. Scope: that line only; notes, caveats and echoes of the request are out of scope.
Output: 12:43
